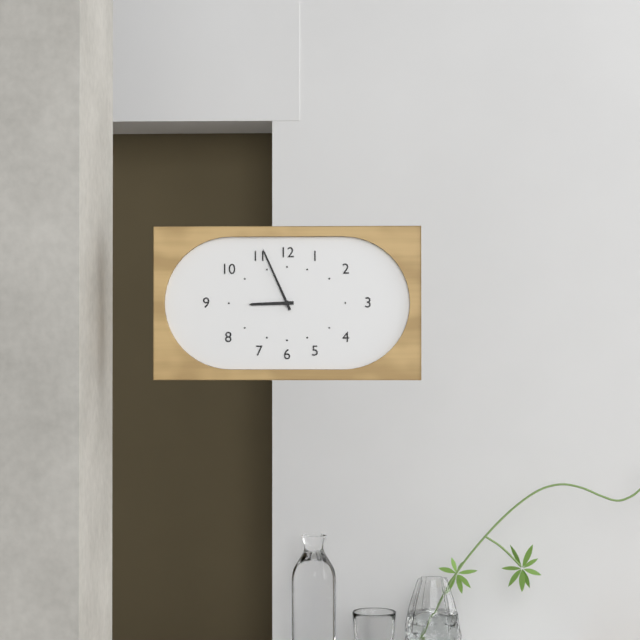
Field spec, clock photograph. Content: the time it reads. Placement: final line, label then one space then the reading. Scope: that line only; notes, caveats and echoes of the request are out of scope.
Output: 8:56
